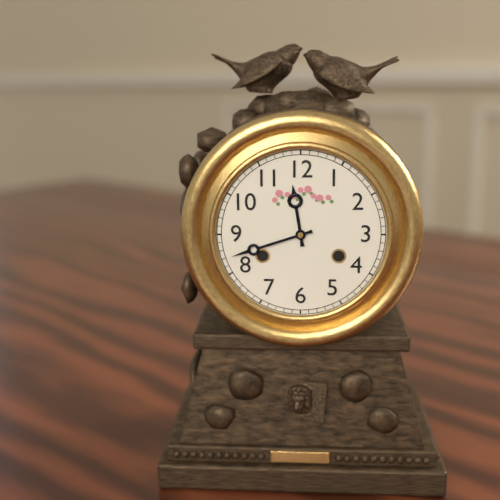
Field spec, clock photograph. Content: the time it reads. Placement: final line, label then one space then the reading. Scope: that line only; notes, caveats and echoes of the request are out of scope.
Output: 11:42
